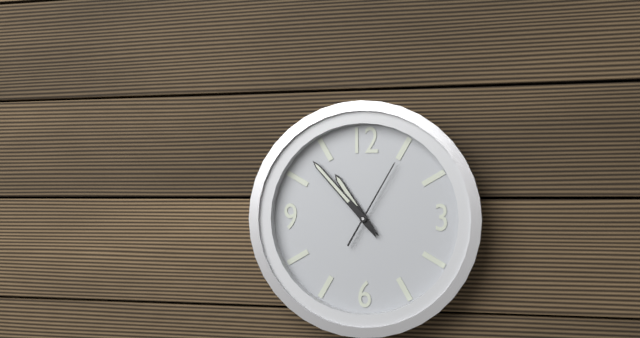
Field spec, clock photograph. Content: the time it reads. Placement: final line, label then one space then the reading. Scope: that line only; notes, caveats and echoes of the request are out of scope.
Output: 10:53:05
